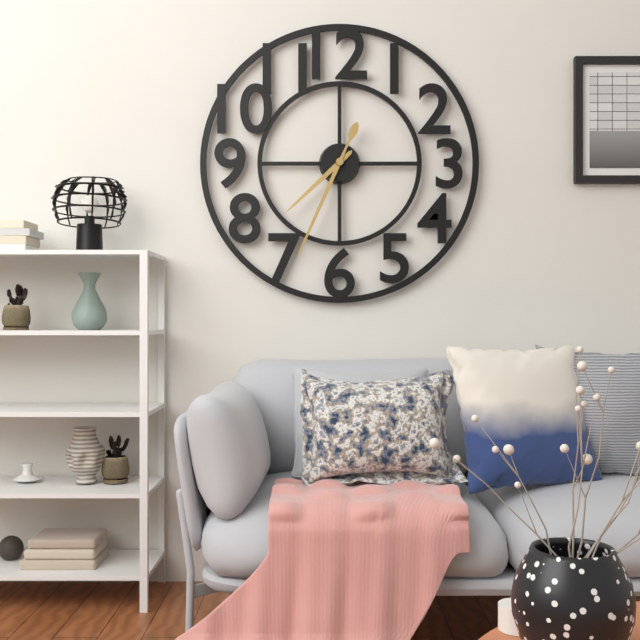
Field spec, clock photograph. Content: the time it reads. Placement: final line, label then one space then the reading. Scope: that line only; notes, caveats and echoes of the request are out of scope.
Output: 7:34
